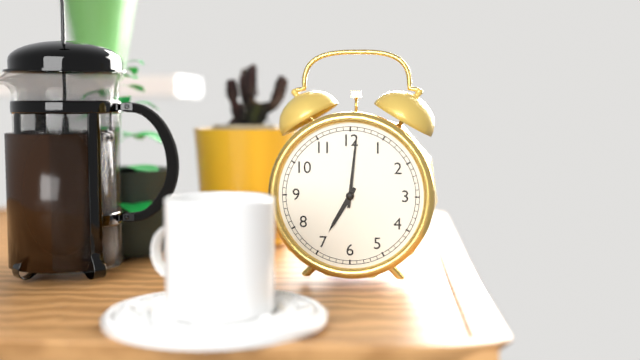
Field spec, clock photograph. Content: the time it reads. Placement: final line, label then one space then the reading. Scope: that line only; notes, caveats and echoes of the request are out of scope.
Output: 7:01
